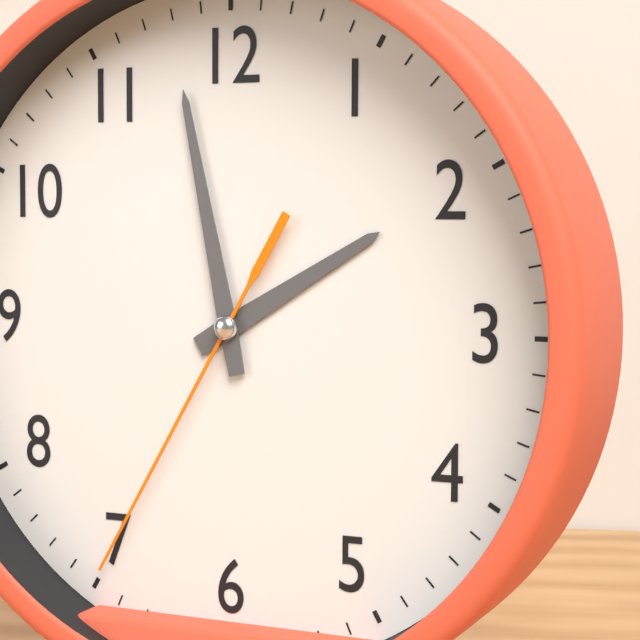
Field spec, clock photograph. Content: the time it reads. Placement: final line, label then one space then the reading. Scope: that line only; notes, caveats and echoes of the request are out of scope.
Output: 1:58:35
